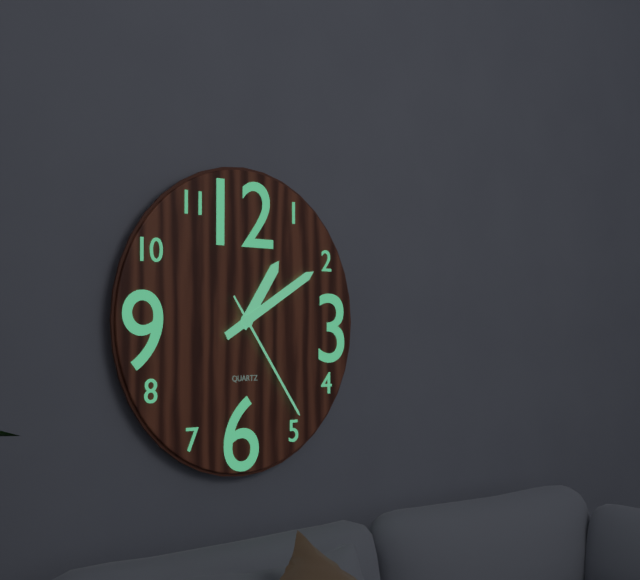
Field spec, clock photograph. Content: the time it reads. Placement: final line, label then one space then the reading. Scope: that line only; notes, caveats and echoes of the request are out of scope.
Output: 1:10:24
